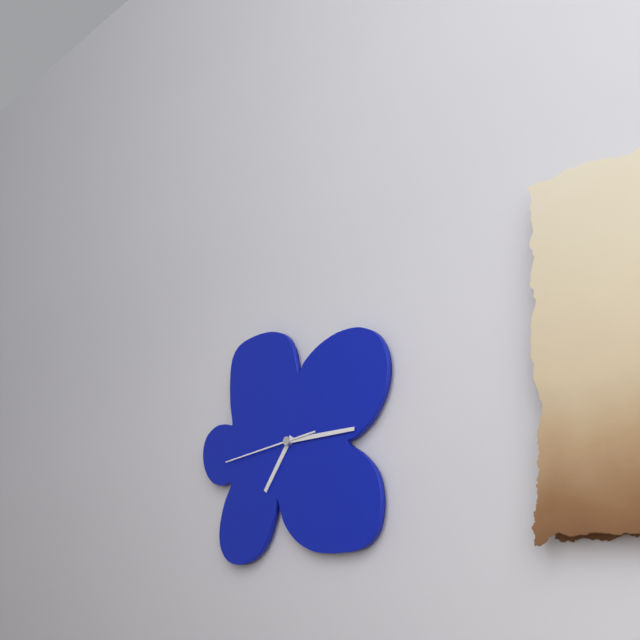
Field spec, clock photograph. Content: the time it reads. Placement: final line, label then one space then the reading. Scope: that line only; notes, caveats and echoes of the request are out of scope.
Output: 7:15:44
